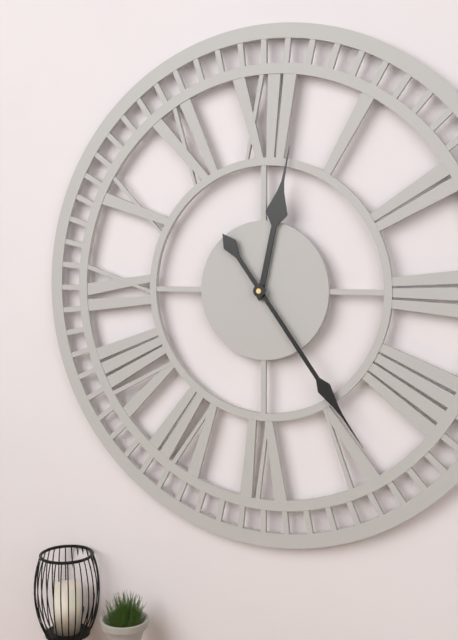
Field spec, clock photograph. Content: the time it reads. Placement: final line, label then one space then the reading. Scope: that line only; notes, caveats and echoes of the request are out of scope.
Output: 12:24
